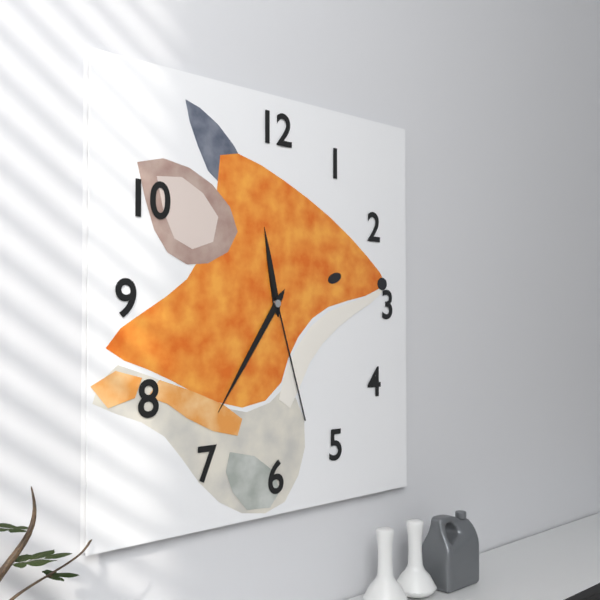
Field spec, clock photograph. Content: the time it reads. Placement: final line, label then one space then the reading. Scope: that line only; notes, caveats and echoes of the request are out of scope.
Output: 11:36:27
